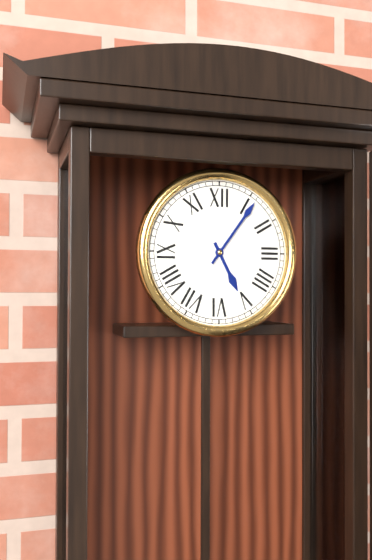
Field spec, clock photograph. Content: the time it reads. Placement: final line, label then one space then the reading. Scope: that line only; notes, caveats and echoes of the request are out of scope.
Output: 5:06
